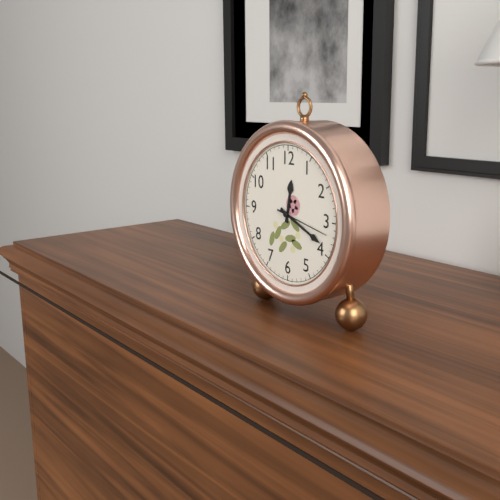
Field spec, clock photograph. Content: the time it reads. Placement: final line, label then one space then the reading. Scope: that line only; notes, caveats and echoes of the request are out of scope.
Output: 12:19:17
